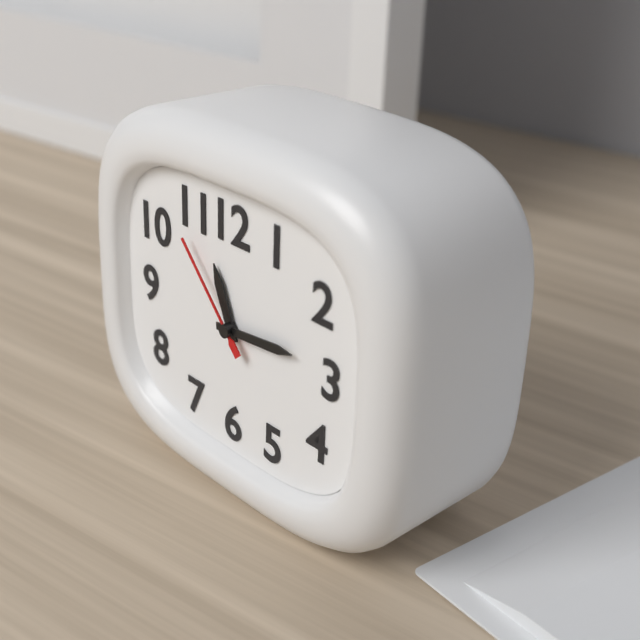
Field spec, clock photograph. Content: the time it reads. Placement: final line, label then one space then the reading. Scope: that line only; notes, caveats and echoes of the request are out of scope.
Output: 11:14:53
